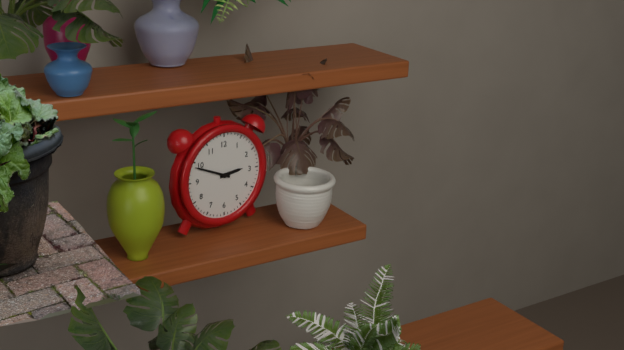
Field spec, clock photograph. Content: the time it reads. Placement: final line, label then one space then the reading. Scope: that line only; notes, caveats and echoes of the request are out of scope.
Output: 2:49
